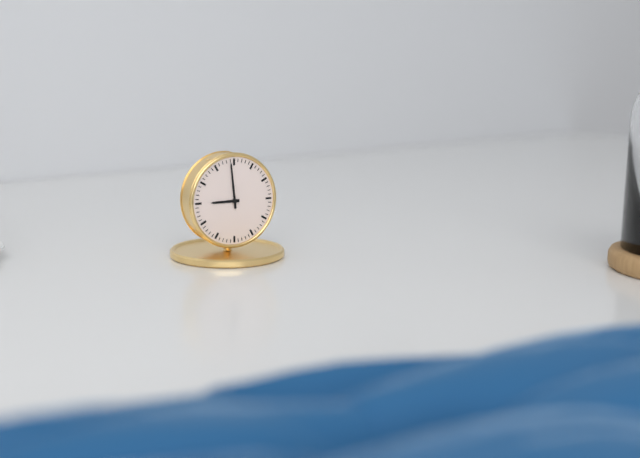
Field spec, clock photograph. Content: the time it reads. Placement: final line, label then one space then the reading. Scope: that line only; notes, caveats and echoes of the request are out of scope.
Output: 8:59
